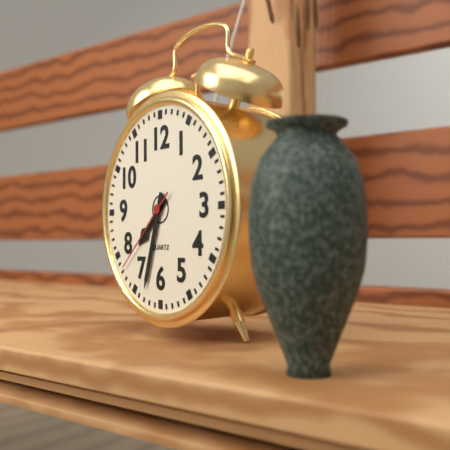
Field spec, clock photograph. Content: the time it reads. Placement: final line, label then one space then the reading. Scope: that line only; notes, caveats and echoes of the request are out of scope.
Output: 7:33:38
